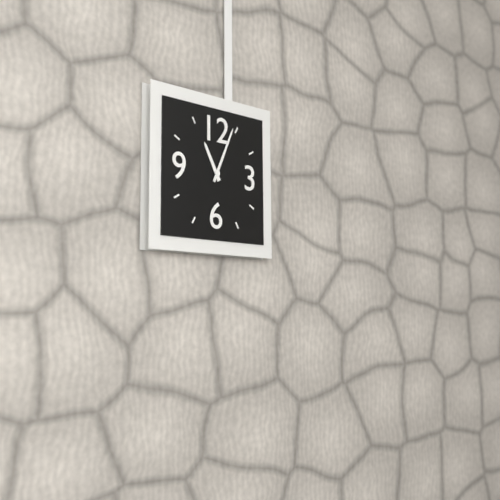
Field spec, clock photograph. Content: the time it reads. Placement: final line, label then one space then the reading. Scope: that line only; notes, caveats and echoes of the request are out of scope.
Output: 11:04
